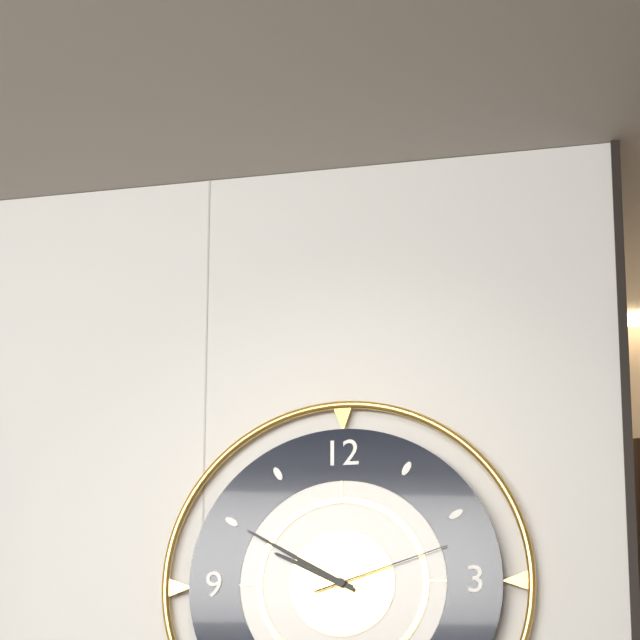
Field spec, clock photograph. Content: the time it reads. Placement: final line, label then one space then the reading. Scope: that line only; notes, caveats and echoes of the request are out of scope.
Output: 9:50:12
